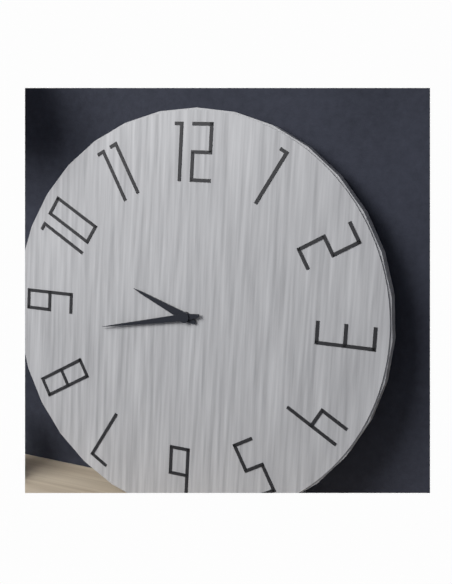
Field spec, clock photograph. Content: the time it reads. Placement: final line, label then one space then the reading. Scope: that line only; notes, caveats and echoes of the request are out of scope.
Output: 9:43
